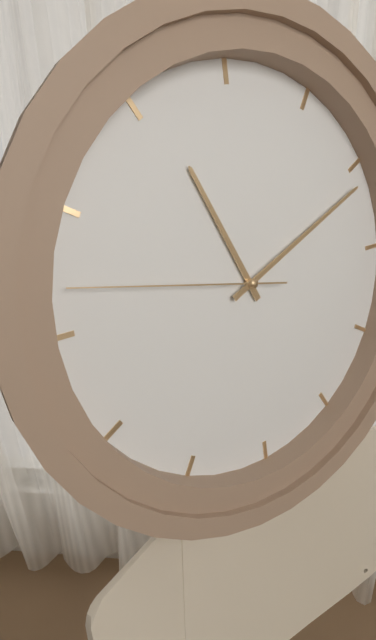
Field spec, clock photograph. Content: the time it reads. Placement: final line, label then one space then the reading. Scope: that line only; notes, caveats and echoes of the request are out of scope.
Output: 11:11:47
